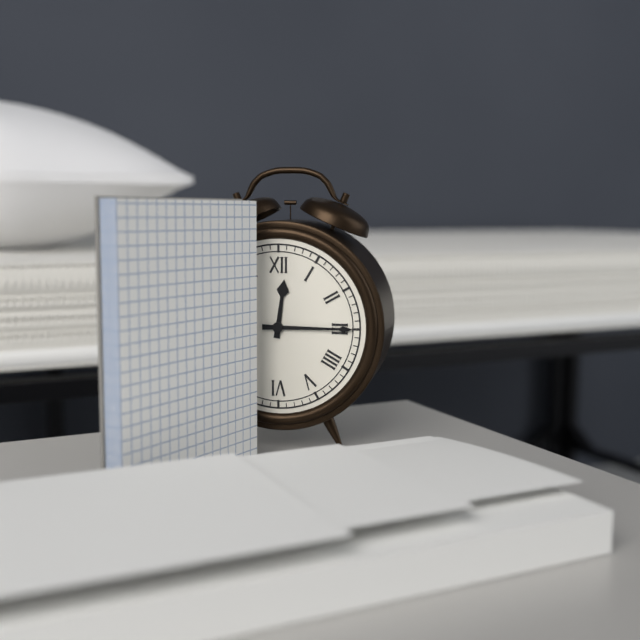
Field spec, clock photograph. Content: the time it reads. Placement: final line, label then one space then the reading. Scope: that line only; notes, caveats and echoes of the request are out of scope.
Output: 12:15
